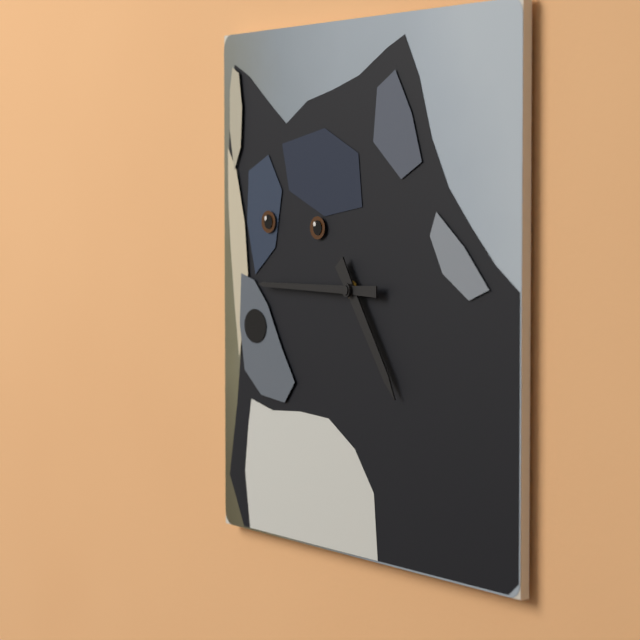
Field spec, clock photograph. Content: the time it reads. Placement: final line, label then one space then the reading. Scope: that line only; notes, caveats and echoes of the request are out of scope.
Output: 4:45
